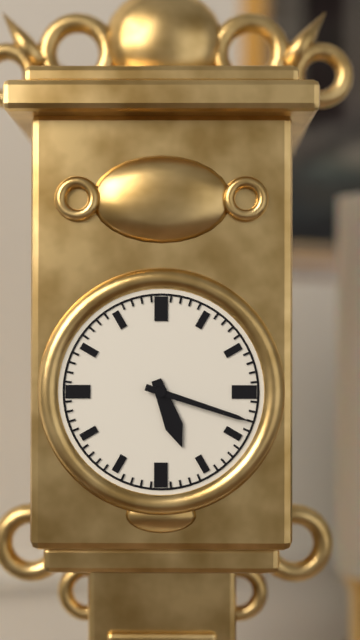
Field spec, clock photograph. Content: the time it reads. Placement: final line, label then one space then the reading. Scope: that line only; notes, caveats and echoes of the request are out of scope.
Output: 5:18
